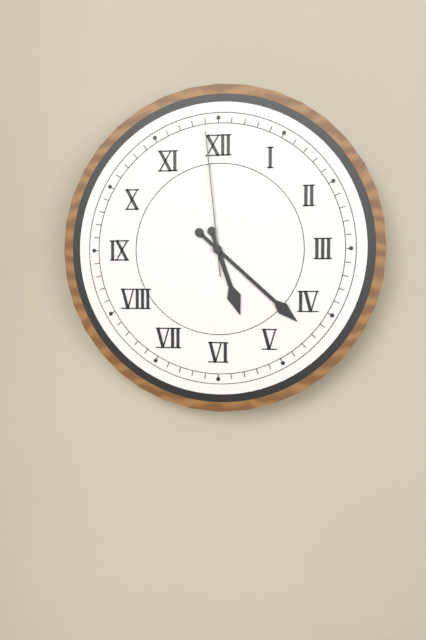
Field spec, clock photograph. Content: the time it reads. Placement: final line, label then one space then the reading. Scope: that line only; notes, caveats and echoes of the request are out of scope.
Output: 5:22:59
